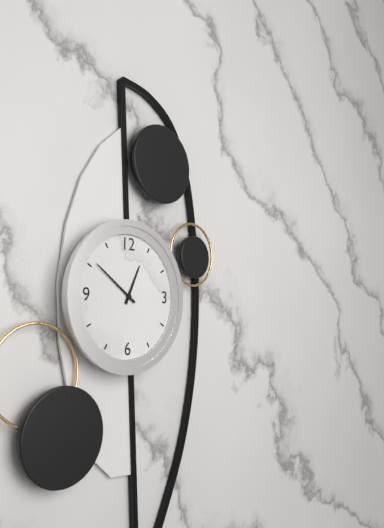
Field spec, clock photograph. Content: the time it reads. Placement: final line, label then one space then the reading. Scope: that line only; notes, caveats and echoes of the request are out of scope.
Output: 12:51
